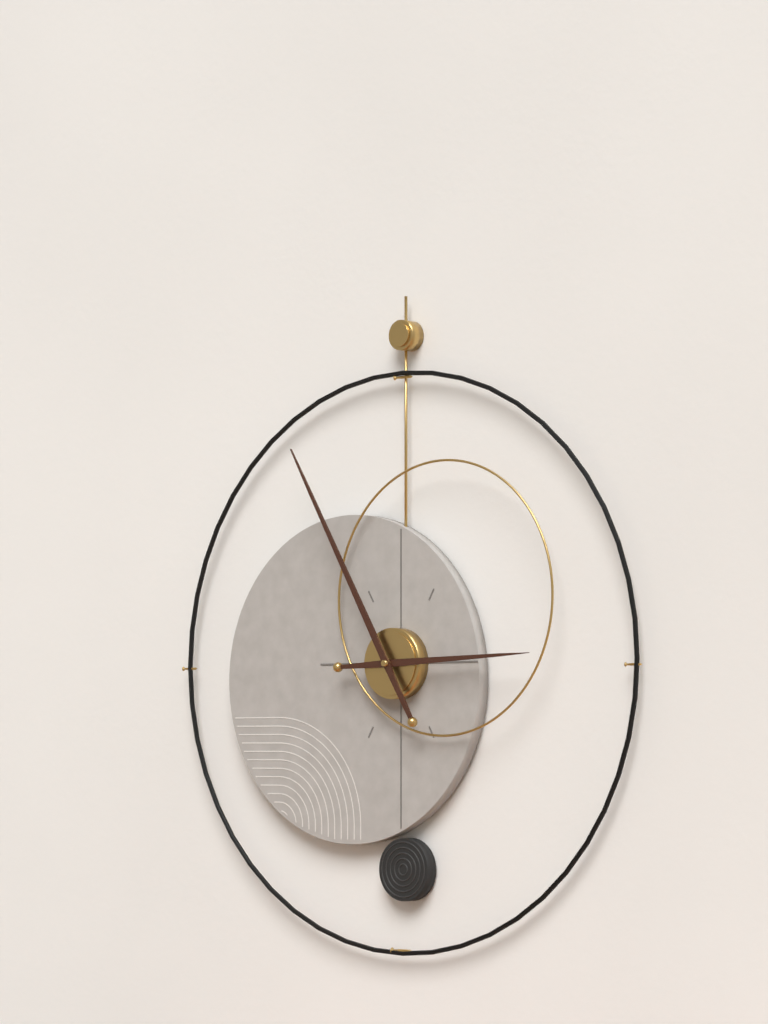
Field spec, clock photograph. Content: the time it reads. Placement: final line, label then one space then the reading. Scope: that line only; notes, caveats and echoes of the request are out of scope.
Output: 2:55
